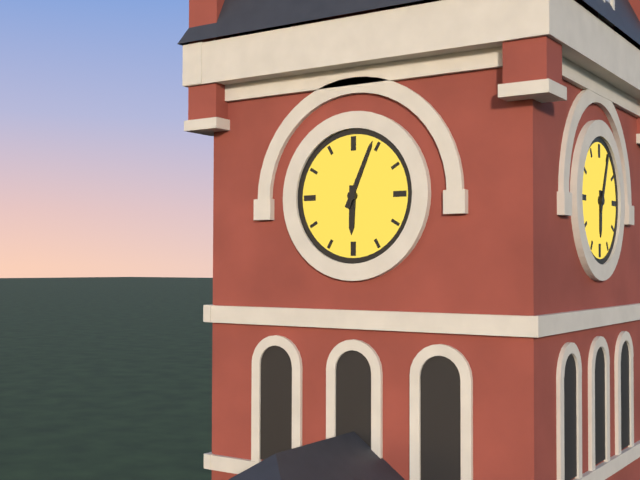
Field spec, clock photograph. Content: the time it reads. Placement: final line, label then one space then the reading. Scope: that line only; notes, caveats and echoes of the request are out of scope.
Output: 6:04
